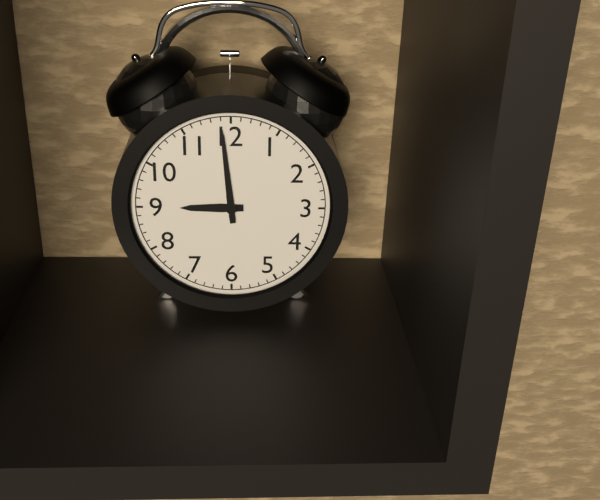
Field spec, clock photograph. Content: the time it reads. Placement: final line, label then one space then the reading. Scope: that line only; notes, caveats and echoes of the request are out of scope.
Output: 8:59
